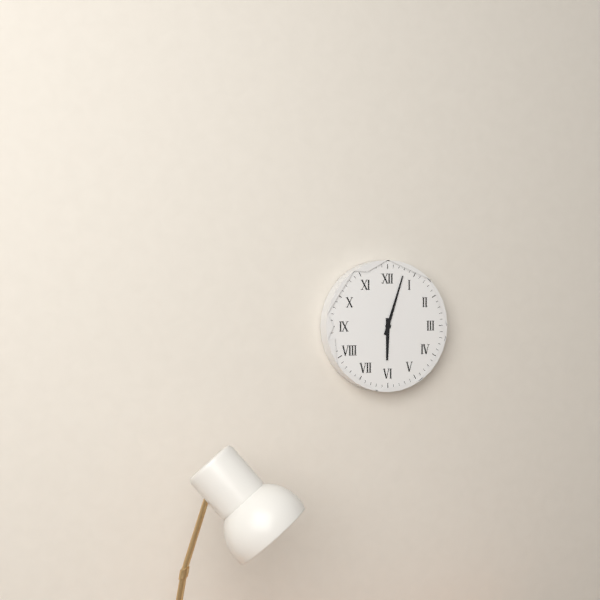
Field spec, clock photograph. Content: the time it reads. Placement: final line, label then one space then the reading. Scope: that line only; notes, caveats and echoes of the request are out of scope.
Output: 6:03
